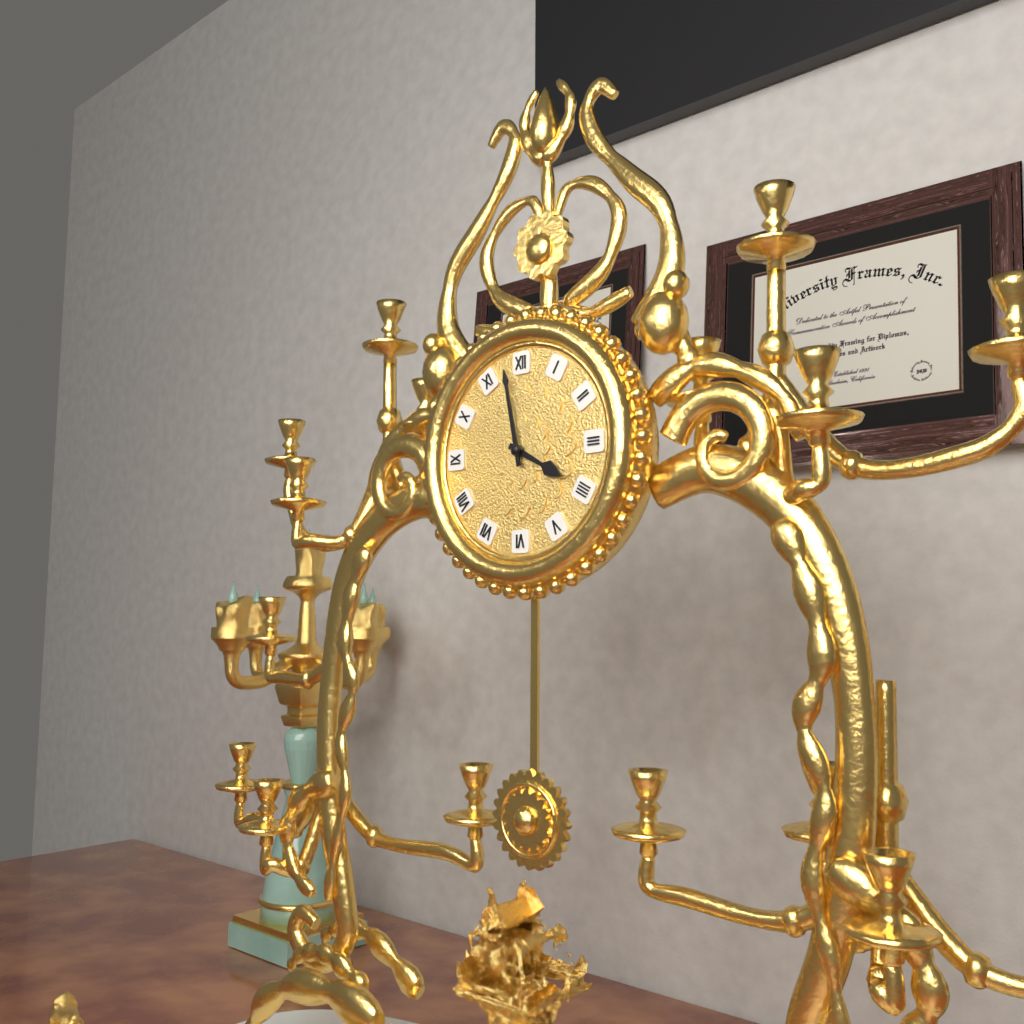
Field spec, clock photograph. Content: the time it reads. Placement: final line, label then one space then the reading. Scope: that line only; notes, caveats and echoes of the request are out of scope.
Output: 3:58
